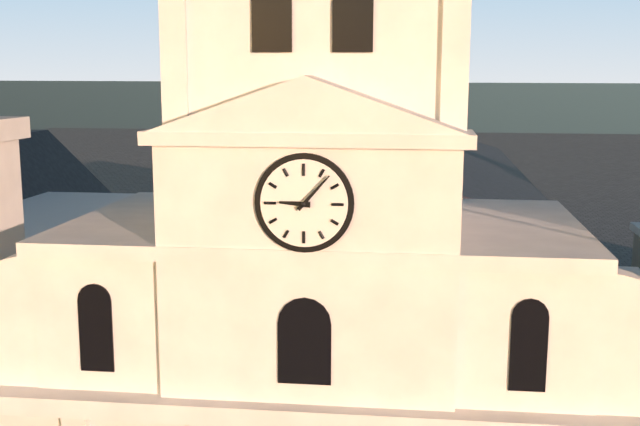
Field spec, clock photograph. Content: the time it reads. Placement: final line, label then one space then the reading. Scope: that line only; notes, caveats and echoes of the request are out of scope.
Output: 9:07
